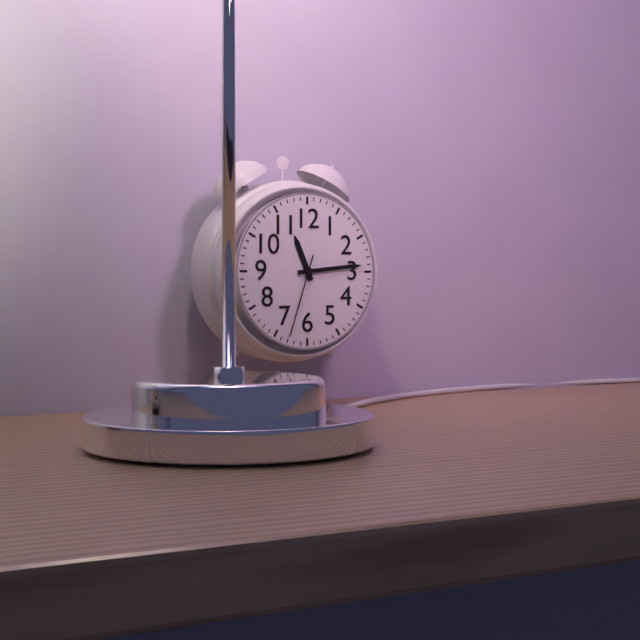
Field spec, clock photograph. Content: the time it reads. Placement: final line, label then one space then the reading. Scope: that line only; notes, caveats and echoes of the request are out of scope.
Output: 11:14:33
